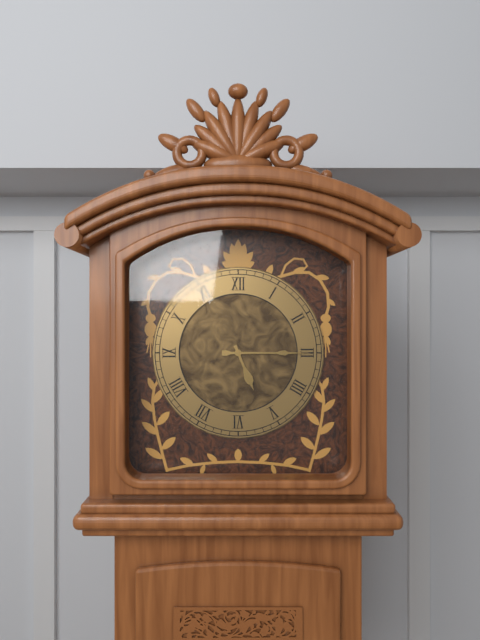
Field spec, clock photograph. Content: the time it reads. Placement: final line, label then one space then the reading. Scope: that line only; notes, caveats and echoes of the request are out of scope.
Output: 5:15
